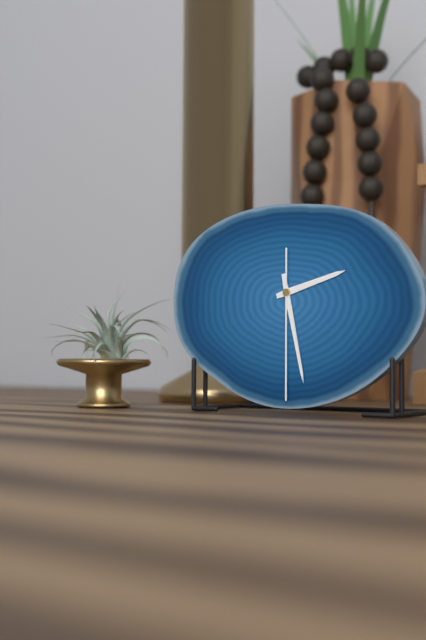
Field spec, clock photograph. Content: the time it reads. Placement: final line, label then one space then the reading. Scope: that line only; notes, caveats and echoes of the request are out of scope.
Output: 2:28:30
